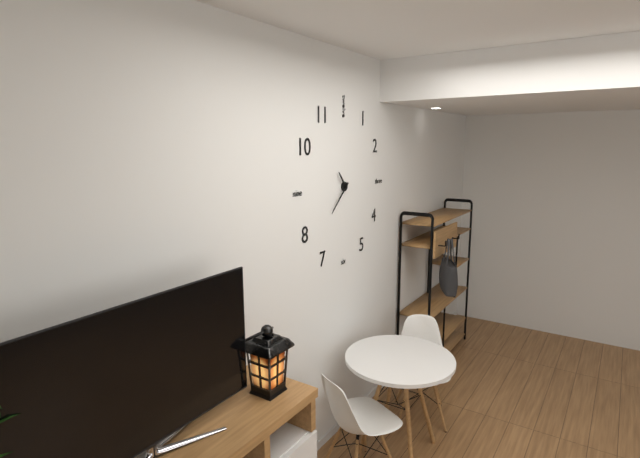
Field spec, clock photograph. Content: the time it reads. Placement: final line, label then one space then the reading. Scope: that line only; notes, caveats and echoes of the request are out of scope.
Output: 10:38
